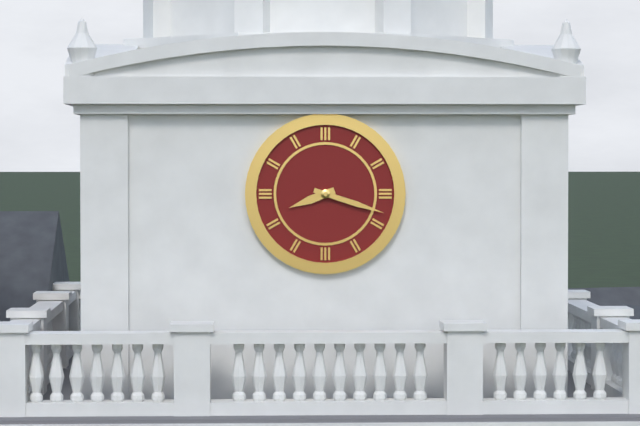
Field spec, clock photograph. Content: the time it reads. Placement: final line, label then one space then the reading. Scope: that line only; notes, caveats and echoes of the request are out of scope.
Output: 8:18
